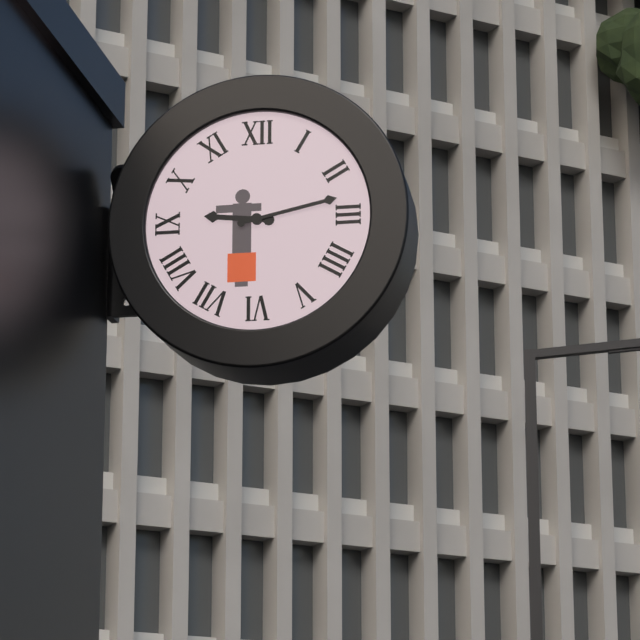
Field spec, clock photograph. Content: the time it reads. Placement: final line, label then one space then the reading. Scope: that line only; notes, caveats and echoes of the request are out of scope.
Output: 9:13
